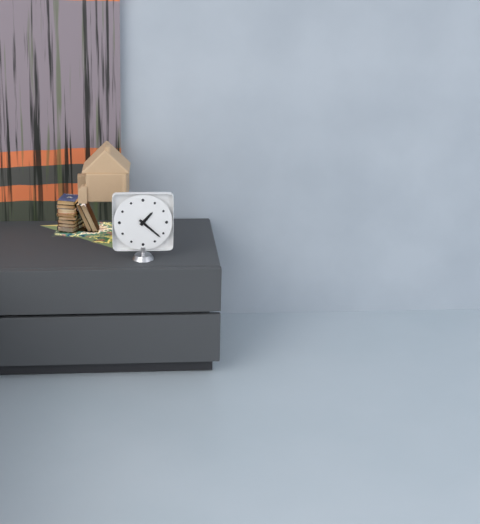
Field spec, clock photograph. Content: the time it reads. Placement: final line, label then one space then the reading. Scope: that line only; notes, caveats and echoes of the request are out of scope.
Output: 1:22
